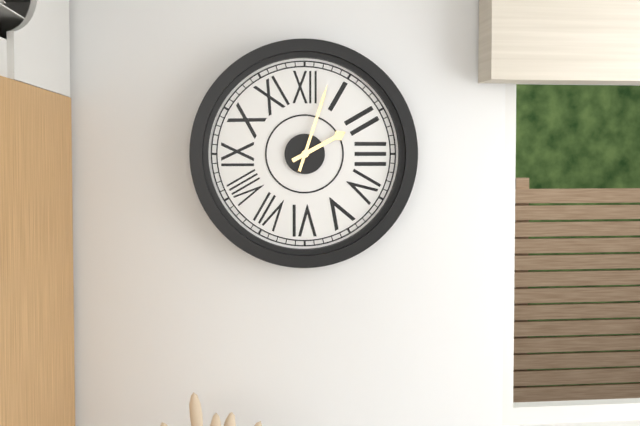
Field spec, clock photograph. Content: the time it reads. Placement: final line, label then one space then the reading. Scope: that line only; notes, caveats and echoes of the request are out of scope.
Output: 2:03
